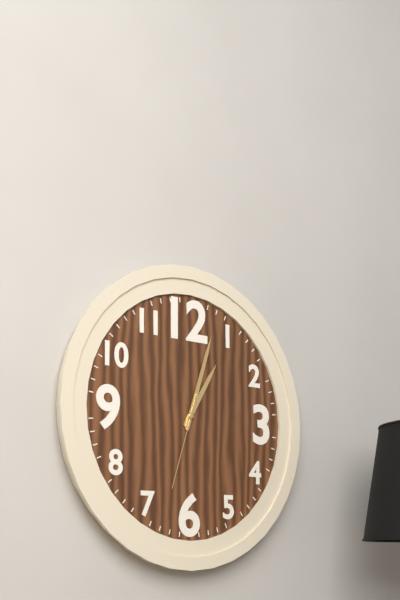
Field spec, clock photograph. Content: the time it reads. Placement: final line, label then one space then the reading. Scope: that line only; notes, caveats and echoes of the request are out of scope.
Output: 1:03:33
